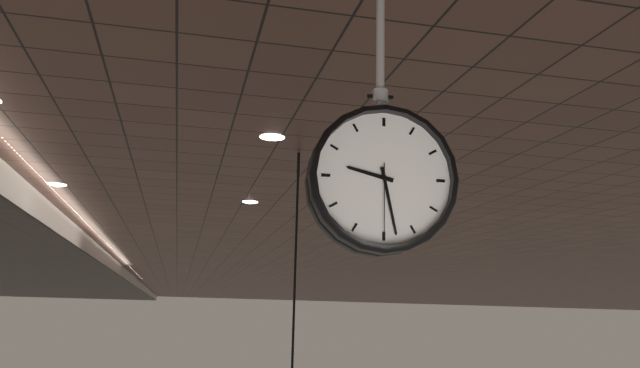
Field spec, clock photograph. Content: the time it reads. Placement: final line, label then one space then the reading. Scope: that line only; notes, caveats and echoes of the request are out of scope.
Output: 9:28:30
